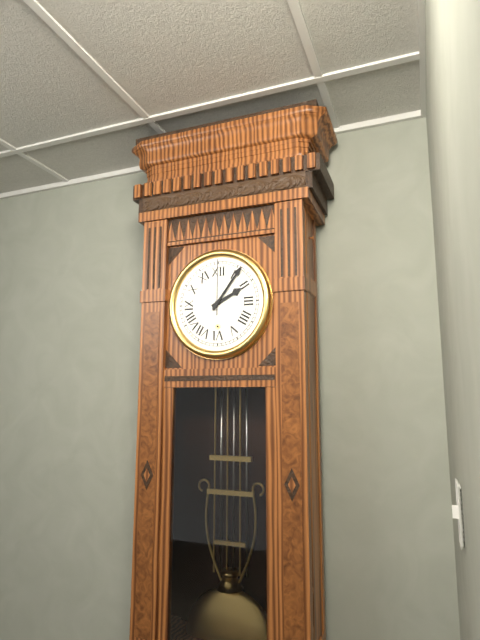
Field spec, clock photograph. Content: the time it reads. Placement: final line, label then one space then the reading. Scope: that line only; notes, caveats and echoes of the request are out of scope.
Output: 2:06:00
